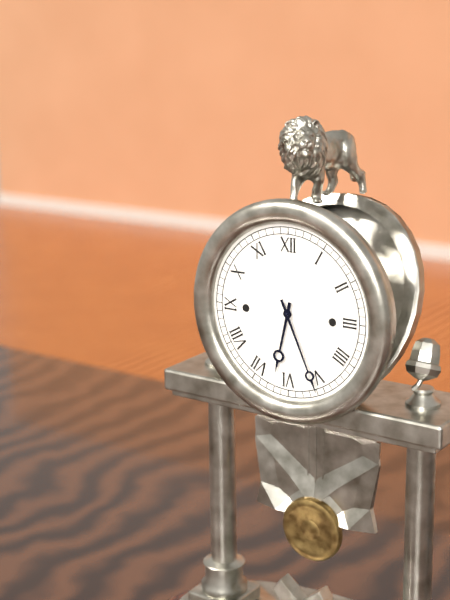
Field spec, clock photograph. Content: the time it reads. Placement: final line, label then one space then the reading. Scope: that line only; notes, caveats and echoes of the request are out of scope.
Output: 6:26
